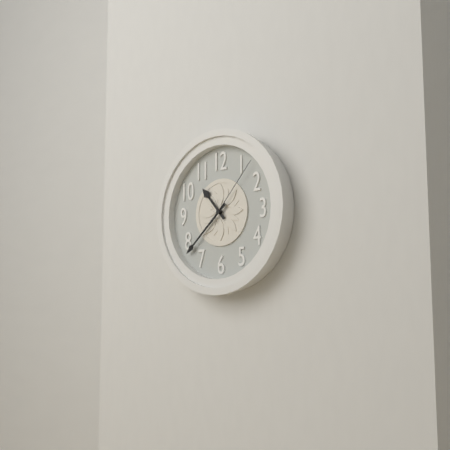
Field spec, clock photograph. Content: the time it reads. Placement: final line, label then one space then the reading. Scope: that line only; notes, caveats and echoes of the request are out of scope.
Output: 10:38:07
